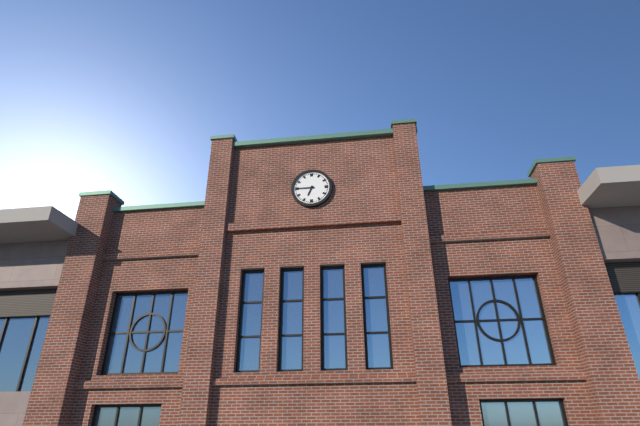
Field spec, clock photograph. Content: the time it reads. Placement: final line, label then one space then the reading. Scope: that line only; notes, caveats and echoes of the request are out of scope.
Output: 6:45
